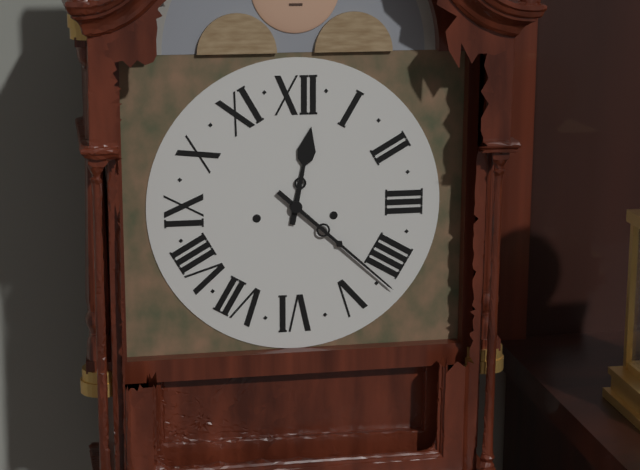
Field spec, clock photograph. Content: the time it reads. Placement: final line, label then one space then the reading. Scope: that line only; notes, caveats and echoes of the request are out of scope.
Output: 12:22
